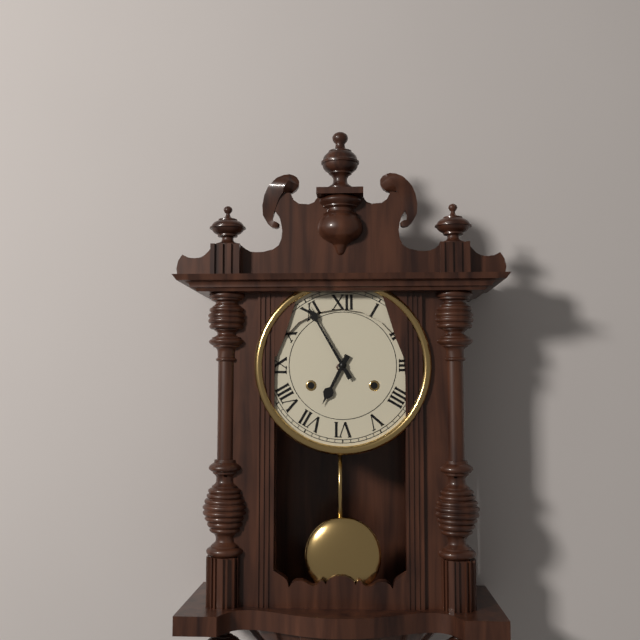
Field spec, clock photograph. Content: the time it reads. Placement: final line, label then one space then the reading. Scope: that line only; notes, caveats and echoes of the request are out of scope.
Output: 6:55
